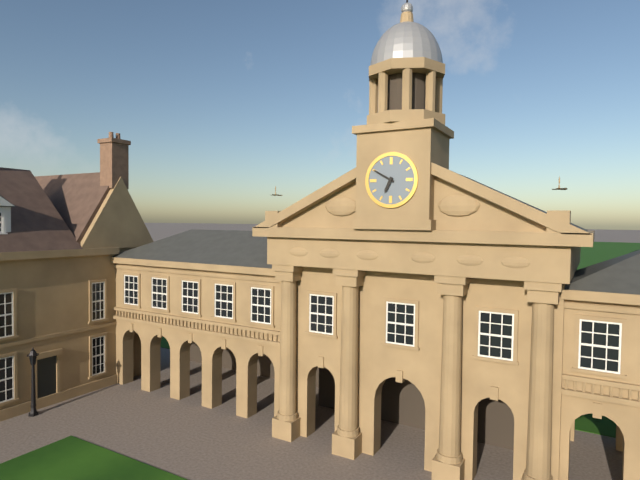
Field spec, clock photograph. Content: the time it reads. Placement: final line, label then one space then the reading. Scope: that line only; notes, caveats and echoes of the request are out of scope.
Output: 6:50
